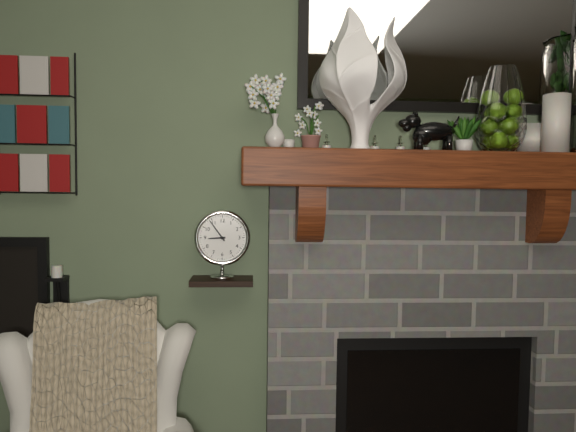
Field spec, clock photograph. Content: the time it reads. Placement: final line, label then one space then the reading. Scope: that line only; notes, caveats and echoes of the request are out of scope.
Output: 8:54
